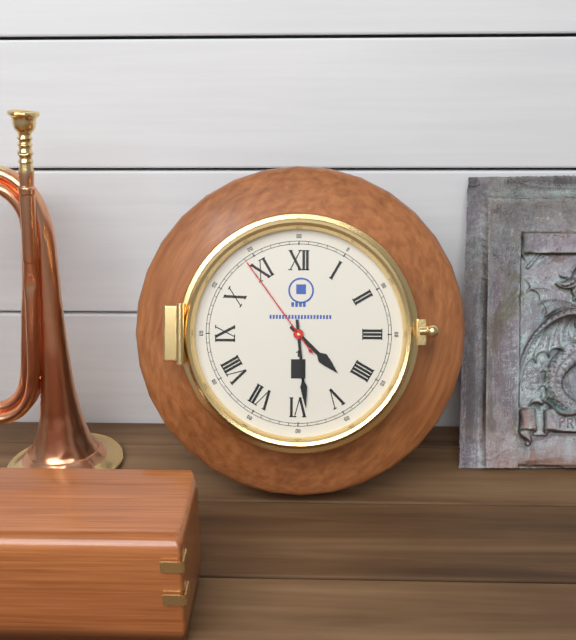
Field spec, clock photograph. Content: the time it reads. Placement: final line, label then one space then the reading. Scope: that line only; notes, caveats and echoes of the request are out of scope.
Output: 4:29:54
